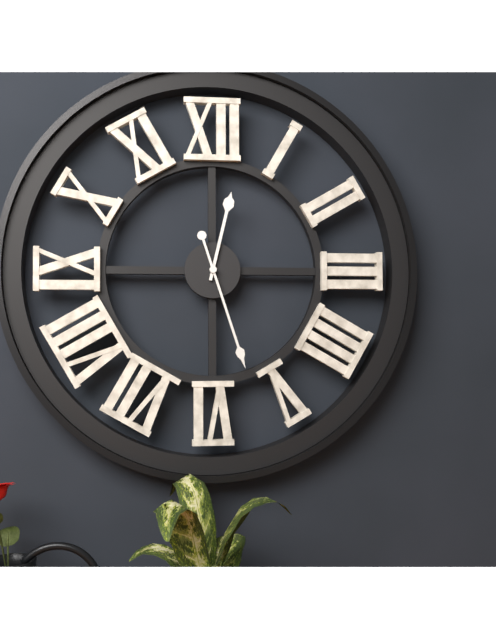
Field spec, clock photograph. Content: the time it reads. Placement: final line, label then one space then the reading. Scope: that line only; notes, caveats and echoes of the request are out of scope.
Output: 12:27
